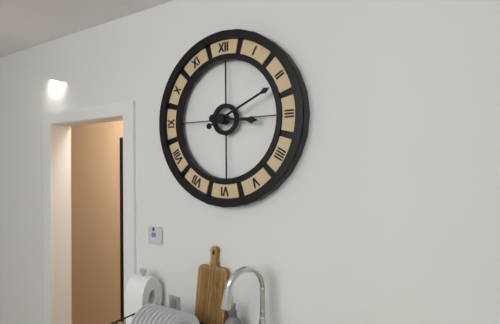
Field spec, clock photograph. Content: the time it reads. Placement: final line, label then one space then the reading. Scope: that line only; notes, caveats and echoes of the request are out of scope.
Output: 3:11
